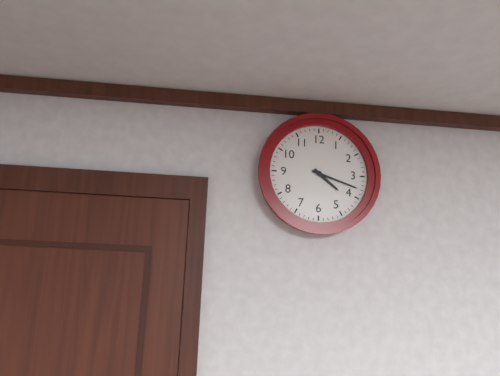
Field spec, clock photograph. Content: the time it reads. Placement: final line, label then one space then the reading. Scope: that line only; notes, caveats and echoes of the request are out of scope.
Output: 4:18
